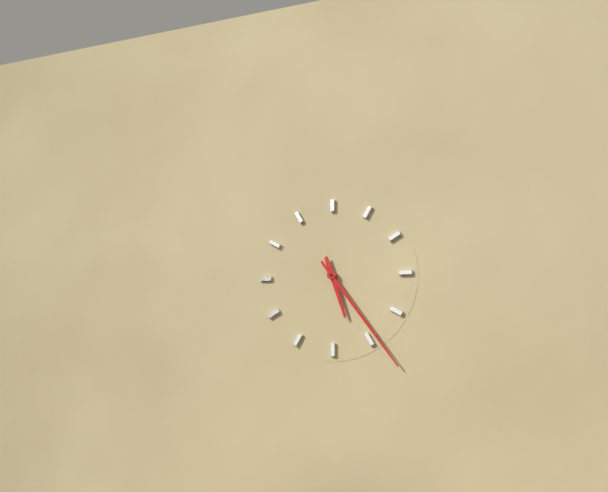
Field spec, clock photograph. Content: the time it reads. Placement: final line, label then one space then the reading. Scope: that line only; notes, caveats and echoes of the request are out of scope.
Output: 5:24
